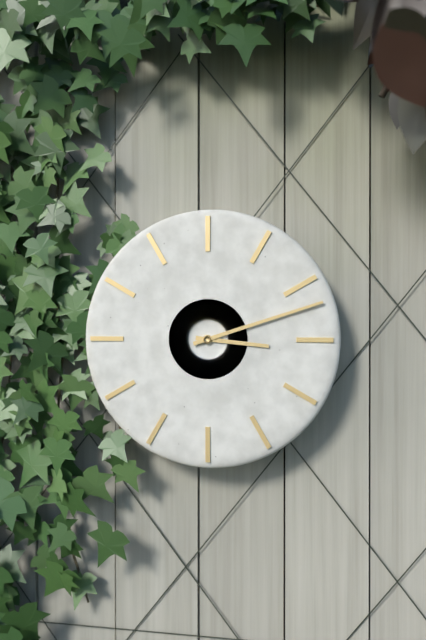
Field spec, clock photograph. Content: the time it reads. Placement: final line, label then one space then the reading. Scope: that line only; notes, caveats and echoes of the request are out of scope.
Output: 3:12
